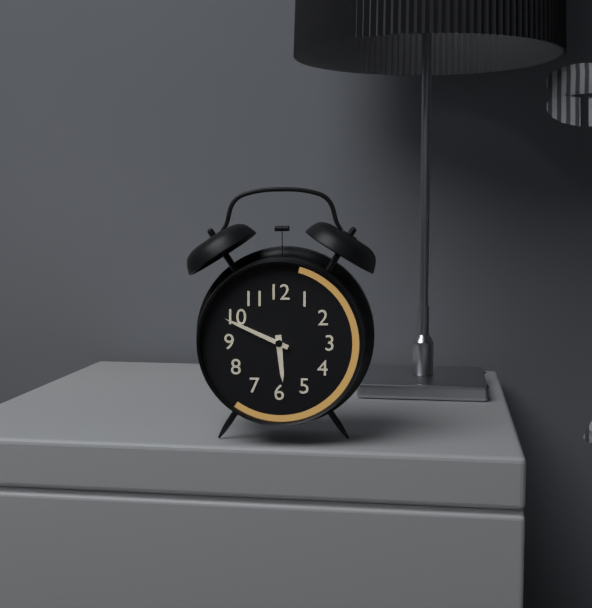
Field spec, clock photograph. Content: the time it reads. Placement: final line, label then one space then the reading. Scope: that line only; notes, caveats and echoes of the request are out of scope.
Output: 5:49
